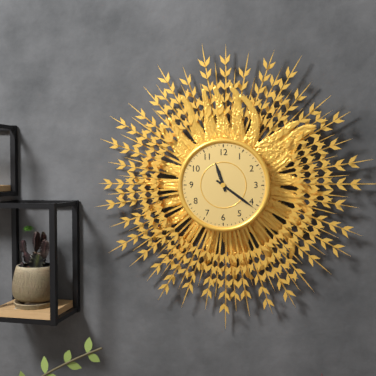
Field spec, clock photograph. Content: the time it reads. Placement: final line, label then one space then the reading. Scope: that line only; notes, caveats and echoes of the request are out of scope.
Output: 11:21
